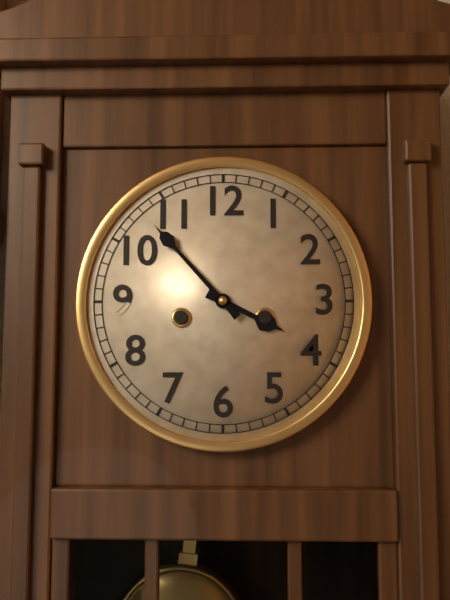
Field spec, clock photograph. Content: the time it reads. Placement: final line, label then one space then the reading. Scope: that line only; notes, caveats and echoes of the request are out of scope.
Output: 3:53
